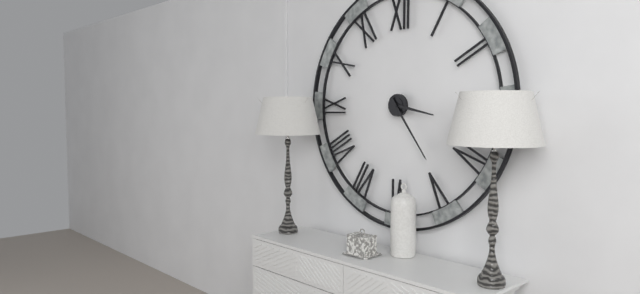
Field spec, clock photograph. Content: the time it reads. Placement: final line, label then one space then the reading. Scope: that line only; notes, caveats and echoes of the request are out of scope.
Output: 3:24
